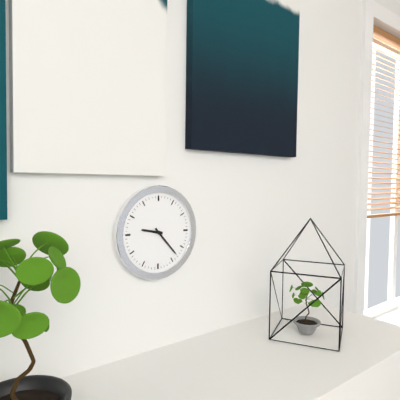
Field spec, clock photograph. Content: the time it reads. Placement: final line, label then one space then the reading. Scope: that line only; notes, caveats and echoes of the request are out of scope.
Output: 9:23
